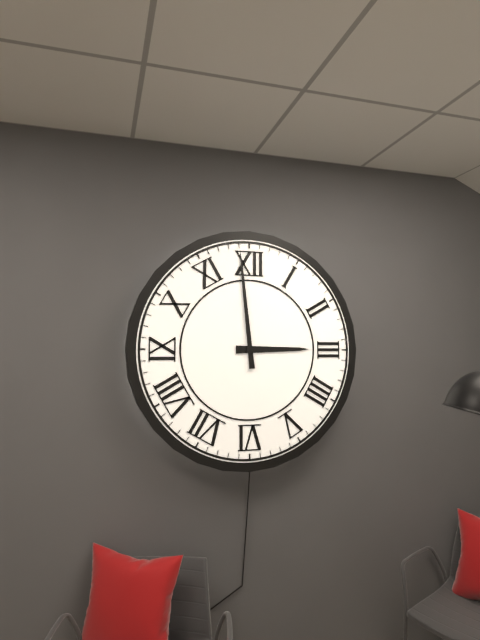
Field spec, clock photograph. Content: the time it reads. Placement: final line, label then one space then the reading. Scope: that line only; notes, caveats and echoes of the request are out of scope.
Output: 2:59
